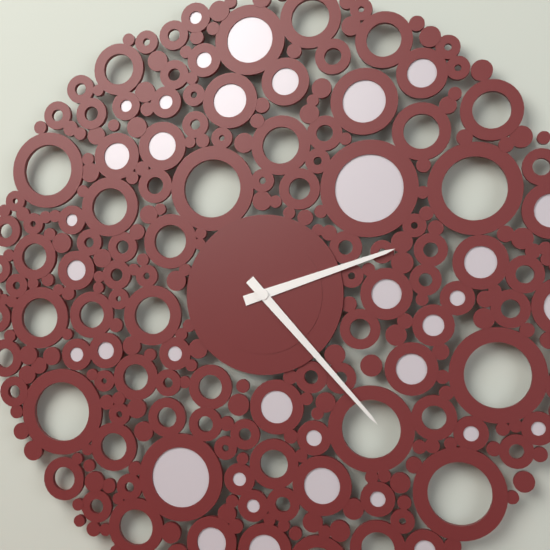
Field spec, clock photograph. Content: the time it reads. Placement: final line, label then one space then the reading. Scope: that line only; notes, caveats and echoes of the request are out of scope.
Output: 2:23
